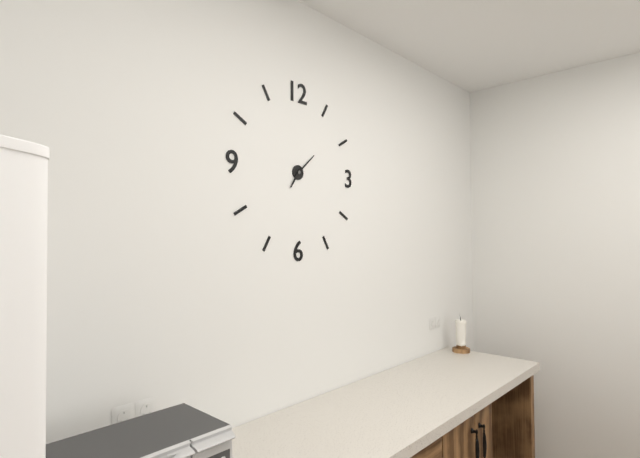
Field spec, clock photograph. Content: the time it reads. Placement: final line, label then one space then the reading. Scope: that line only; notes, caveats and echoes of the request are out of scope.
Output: 7:08
